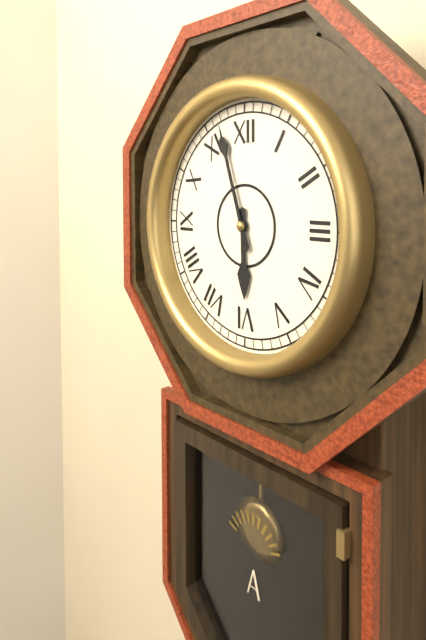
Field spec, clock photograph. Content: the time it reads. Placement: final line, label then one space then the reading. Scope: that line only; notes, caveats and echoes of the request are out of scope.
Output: 5:57
